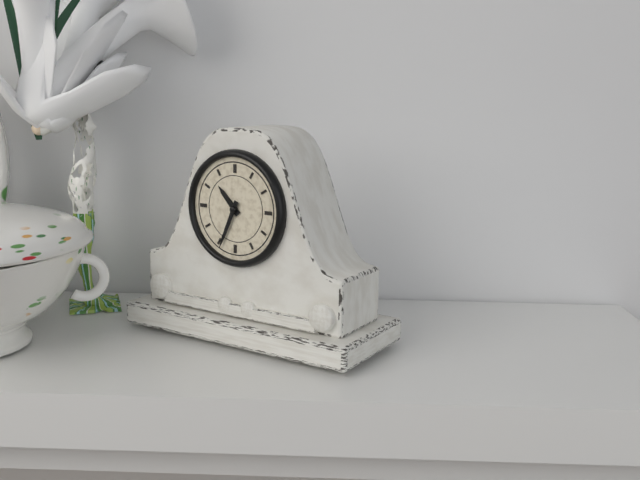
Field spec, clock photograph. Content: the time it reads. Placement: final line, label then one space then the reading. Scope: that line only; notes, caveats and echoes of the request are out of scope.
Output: 10:34
